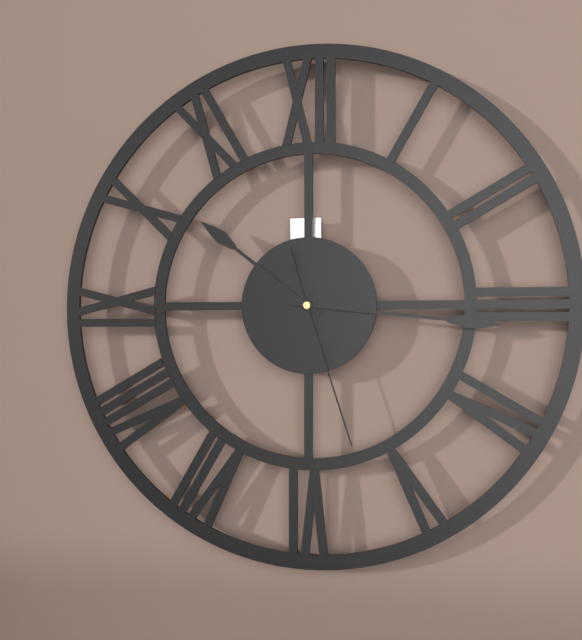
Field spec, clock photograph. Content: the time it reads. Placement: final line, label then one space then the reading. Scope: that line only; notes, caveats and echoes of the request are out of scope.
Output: 10:16:27
